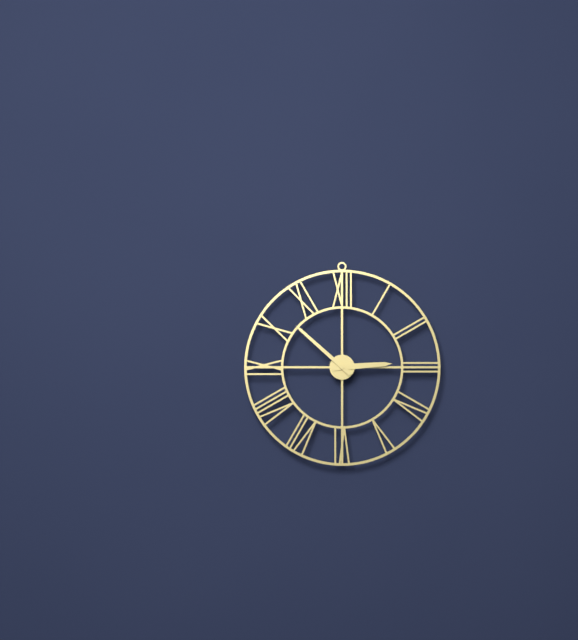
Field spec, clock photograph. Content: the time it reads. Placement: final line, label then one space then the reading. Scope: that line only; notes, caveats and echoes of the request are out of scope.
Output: 2:52
